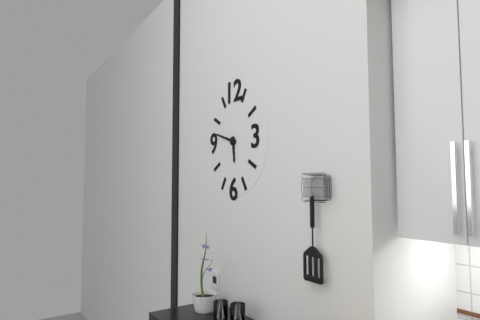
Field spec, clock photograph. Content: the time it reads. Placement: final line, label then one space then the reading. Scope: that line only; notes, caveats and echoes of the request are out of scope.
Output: 5:48
